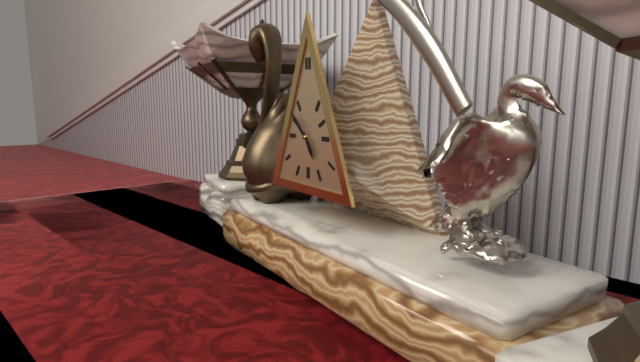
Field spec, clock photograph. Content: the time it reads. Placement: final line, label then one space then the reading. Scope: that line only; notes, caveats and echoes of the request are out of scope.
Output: 4:52
